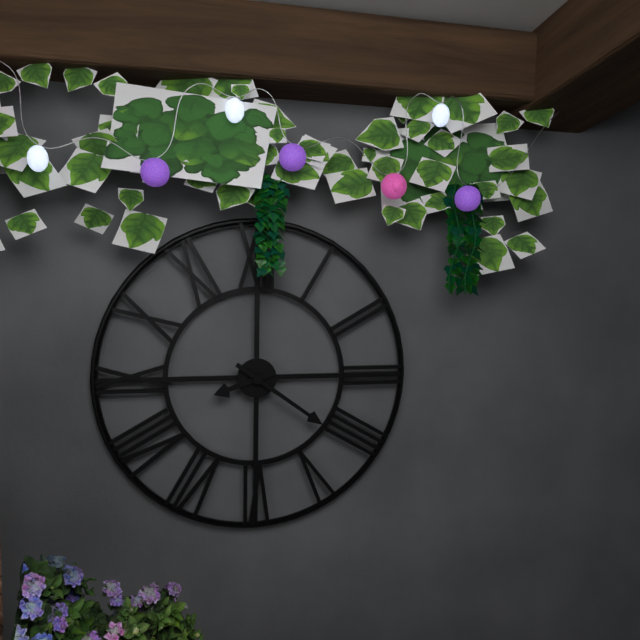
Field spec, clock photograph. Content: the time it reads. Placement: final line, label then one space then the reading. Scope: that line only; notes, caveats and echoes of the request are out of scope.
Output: 8:21
